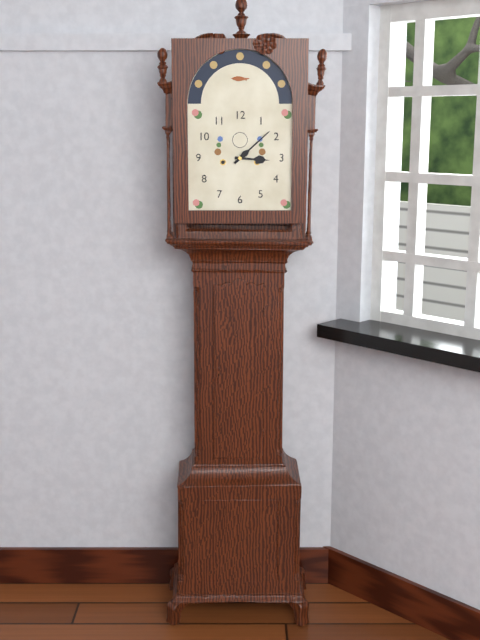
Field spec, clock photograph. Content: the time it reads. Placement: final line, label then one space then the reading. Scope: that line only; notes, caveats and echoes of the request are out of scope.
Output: 3:08
